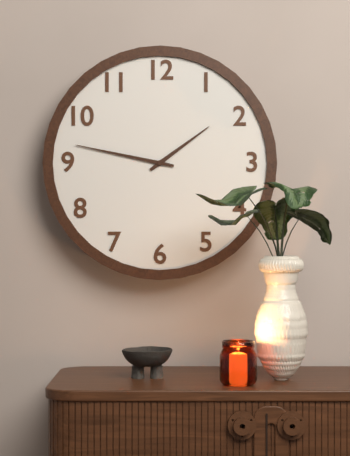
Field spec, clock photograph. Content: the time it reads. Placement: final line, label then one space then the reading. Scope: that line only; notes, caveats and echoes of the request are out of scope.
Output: 1:47
